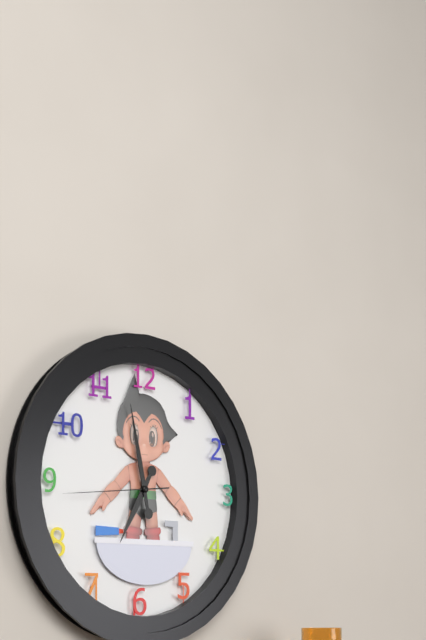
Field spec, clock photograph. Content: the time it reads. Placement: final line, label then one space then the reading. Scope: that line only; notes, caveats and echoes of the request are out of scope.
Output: 6:58:44
